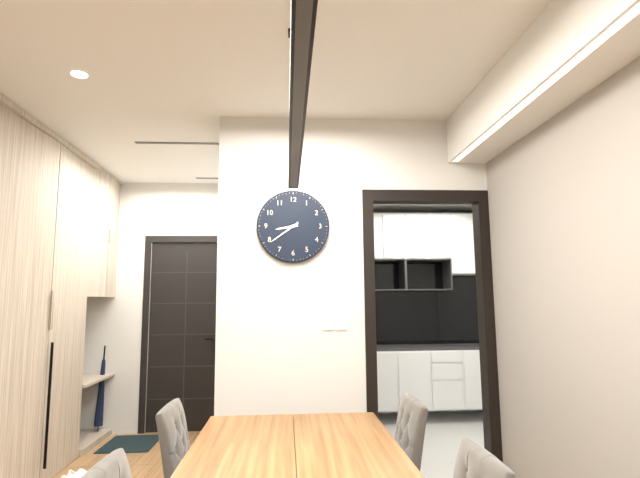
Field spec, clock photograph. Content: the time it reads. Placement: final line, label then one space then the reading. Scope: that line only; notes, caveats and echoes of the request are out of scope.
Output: 8:39
